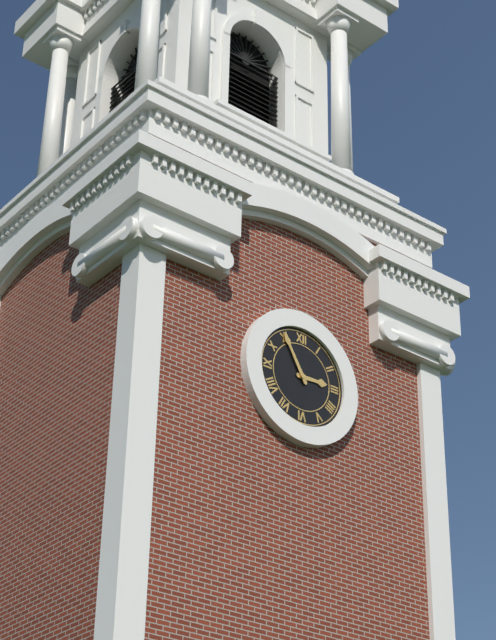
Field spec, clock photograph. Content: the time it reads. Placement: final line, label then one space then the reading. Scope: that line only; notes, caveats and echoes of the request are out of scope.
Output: 2:55
